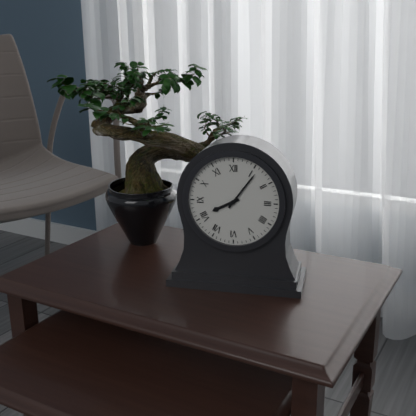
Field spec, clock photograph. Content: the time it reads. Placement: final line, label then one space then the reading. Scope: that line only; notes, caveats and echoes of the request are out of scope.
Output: 8:06
